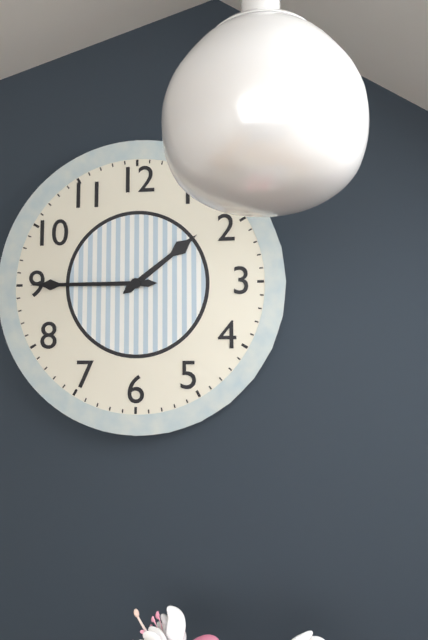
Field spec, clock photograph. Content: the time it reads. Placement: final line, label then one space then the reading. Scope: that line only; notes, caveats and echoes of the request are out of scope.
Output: 1:45
